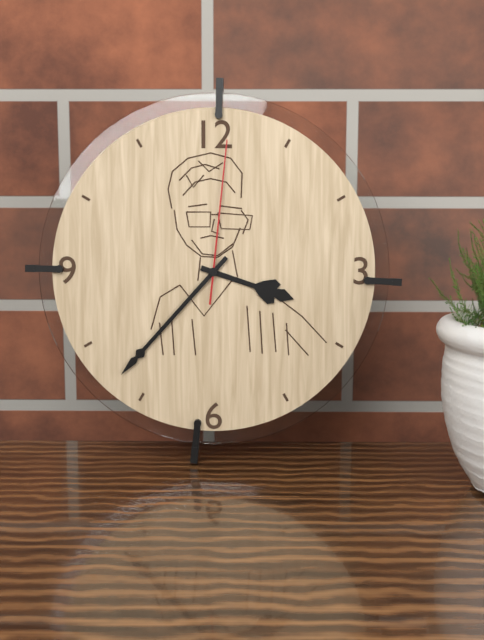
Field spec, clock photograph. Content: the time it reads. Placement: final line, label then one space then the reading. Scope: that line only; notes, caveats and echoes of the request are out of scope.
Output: 3:37:01
